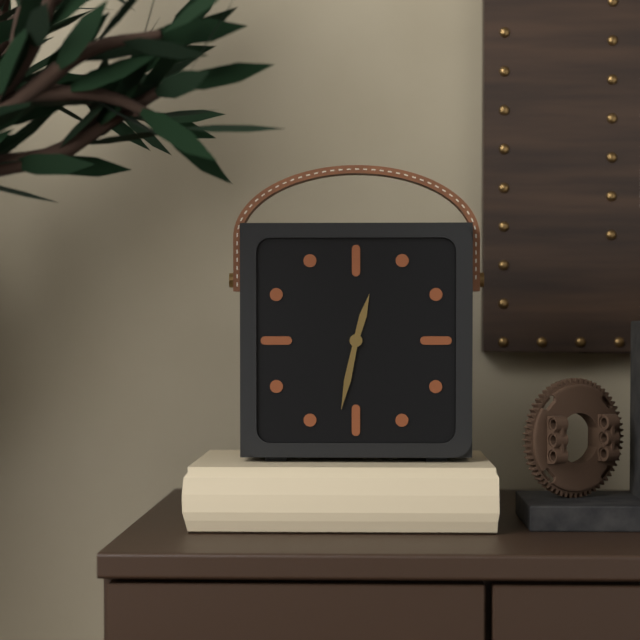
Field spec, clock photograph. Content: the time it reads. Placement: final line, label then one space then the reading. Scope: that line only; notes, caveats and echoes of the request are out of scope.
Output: 12:32
